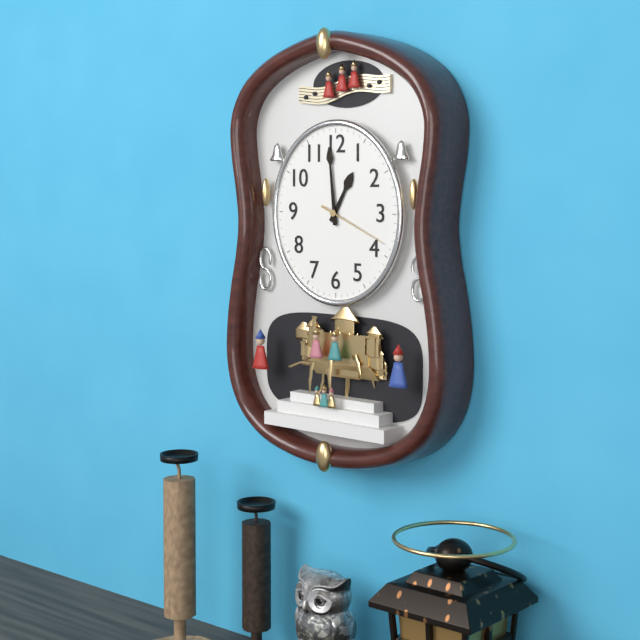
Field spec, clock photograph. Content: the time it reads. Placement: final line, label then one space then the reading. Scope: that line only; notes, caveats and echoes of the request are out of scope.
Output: 12:59:19
